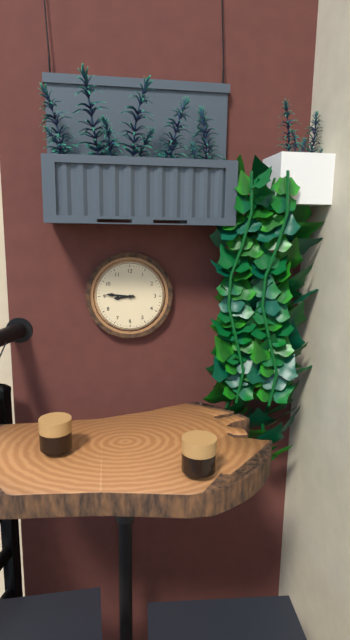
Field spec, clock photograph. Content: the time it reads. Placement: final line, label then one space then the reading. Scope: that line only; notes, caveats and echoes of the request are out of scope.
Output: 8:46
